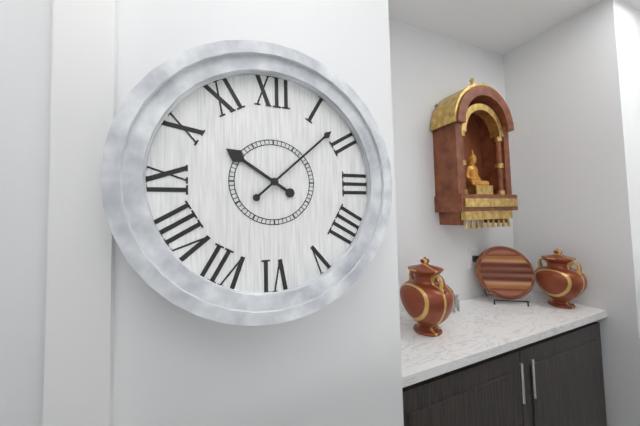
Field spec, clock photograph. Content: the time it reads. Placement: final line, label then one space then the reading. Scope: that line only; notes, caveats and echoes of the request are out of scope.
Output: 10:08
